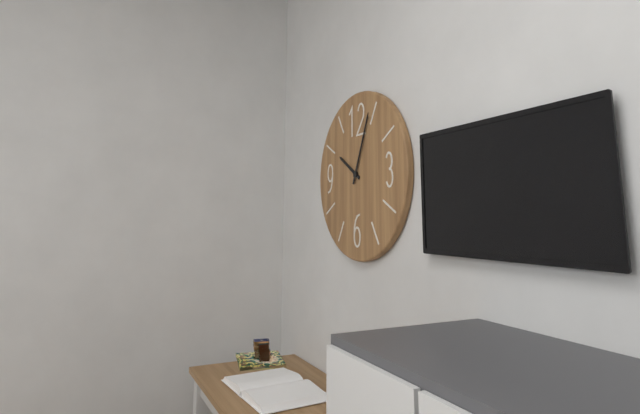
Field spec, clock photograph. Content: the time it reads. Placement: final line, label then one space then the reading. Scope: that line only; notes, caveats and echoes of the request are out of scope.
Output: 10:04
